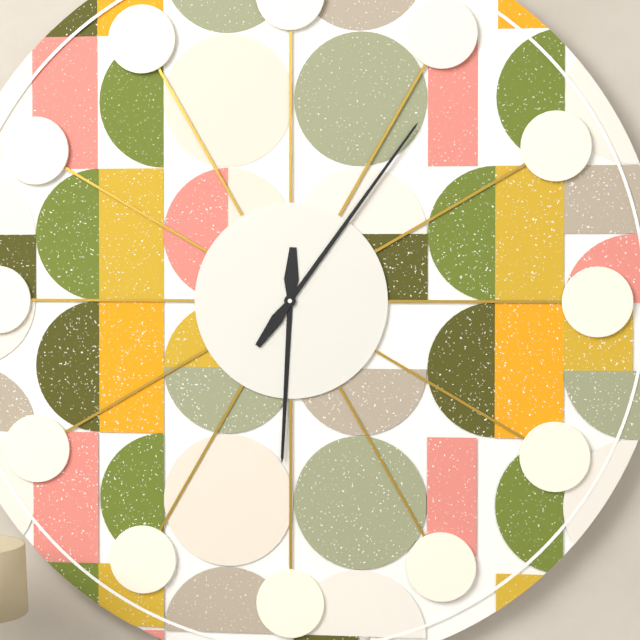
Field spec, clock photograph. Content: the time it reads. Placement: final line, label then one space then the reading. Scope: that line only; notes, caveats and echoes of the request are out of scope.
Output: 6:06
